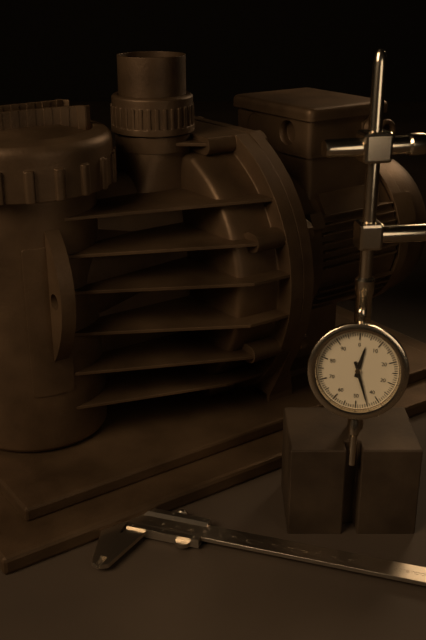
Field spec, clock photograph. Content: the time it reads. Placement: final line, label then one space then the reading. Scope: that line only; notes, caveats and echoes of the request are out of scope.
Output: 12:27
